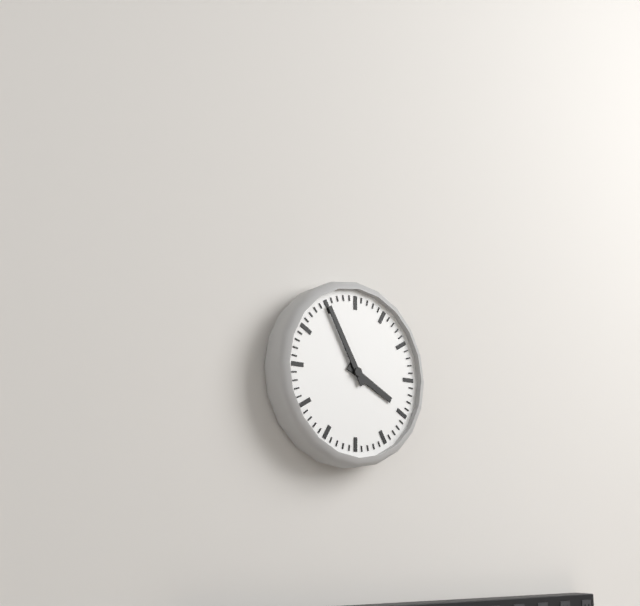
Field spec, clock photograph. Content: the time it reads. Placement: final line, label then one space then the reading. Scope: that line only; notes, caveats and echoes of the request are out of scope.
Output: 3:55
